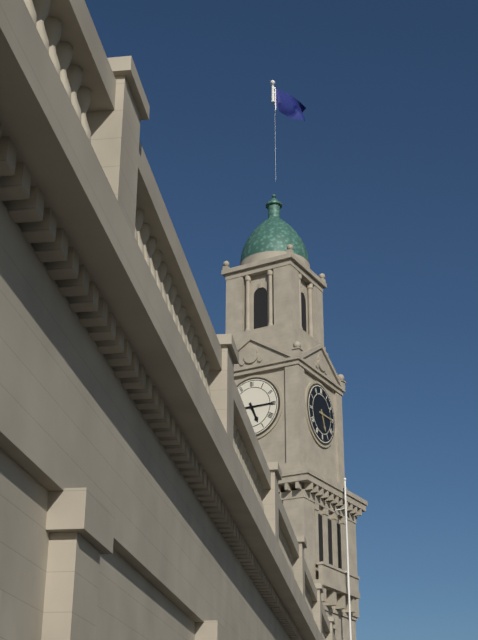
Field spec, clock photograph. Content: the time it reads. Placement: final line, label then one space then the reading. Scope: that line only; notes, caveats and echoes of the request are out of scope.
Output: 5:15
